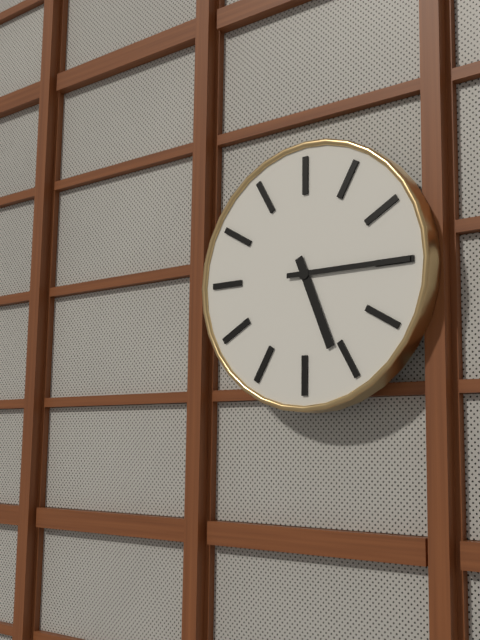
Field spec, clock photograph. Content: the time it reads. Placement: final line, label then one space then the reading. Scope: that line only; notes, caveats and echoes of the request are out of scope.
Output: 5:15
